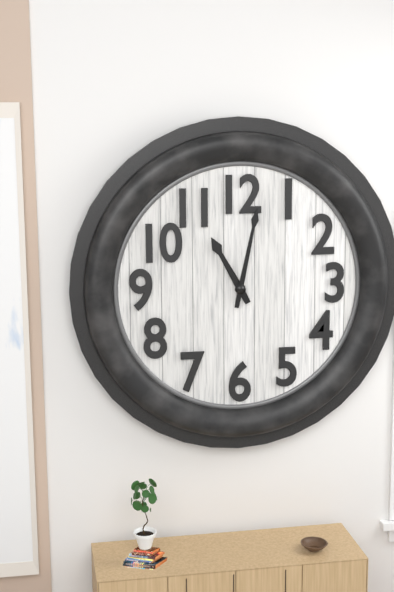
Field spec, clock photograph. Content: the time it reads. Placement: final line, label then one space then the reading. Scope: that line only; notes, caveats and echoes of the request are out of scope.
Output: 11:02
